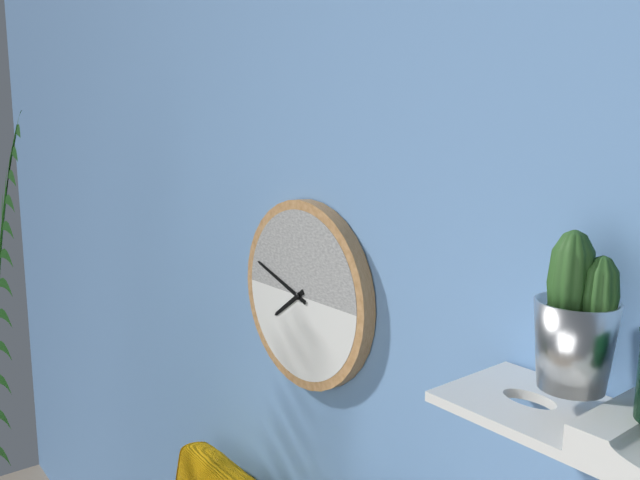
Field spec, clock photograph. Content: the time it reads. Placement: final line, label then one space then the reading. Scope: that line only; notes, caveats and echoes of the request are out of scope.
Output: 7:48
